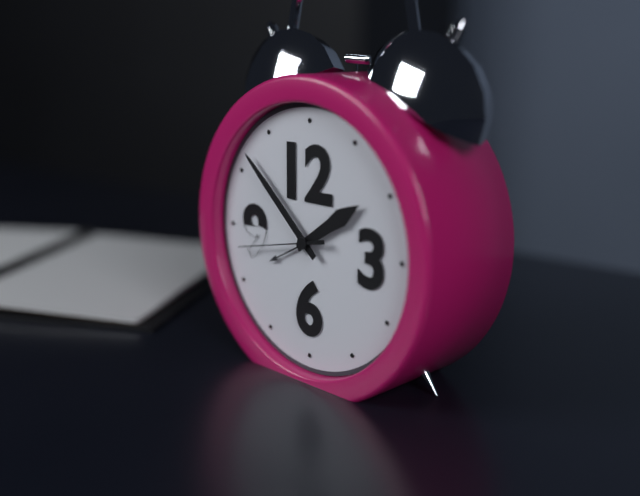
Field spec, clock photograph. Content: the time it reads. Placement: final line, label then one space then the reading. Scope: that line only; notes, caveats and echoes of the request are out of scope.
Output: 1:52:43
